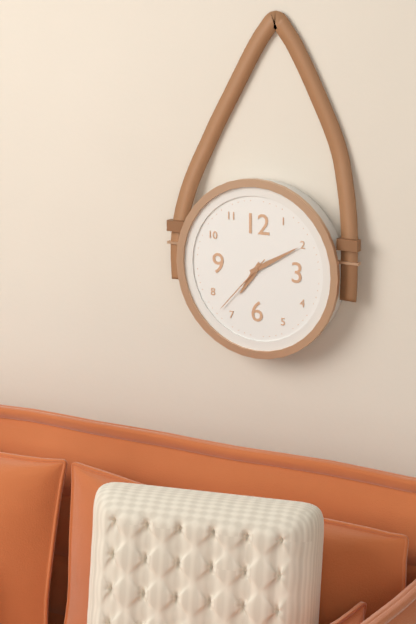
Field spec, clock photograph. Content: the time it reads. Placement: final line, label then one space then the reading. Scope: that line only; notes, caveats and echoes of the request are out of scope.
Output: 7:10:37
